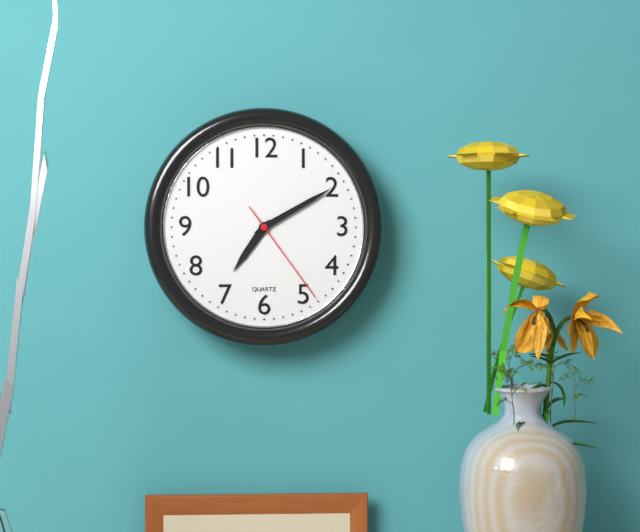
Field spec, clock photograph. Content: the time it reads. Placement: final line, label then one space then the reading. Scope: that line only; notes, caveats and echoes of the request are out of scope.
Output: 7:10:24
